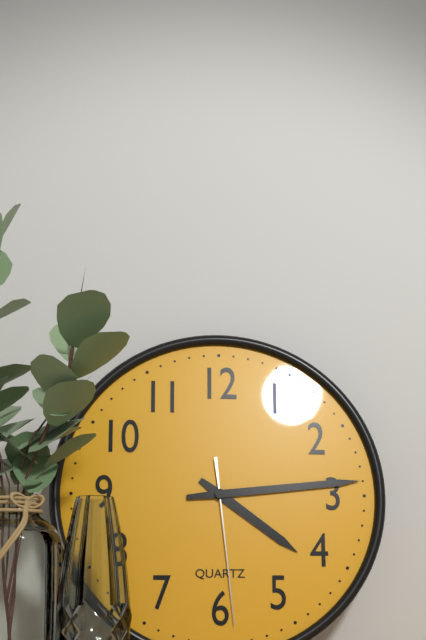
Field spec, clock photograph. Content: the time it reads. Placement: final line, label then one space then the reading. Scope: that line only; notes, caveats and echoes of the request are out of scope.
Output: 4:14:29
